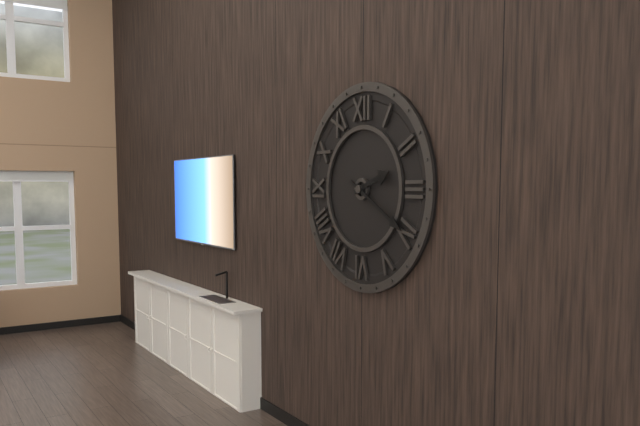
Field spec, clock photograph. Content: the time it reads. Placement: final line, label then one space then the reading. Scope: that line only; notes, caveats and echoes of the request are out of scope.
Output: 2:20
